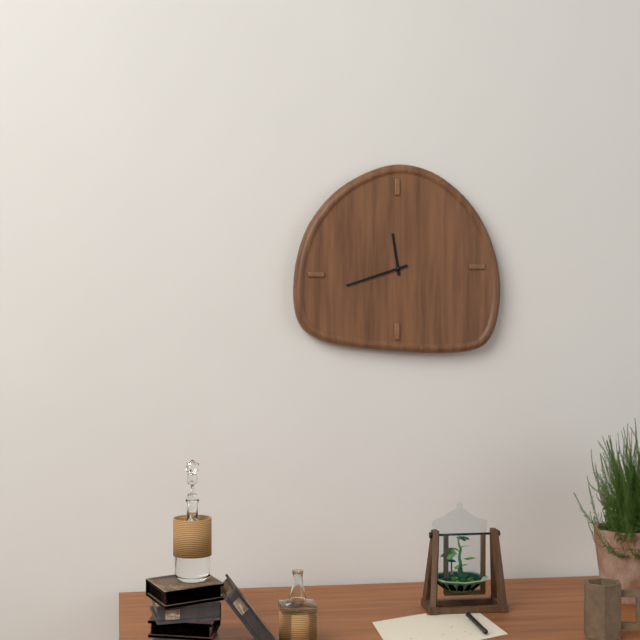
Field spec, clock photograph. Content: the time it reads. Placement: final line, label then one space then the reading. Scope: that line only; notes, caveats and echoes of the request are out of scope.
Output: 11:42
